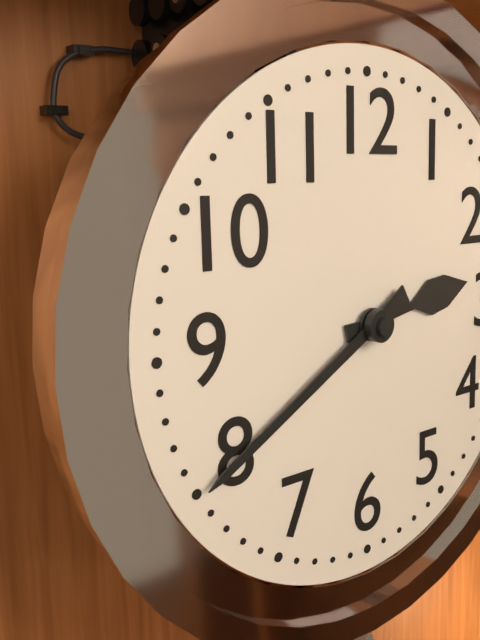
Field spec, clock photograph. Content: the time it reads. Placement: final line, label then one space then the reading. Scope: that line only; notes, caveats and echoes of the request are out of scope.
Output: 2:40
